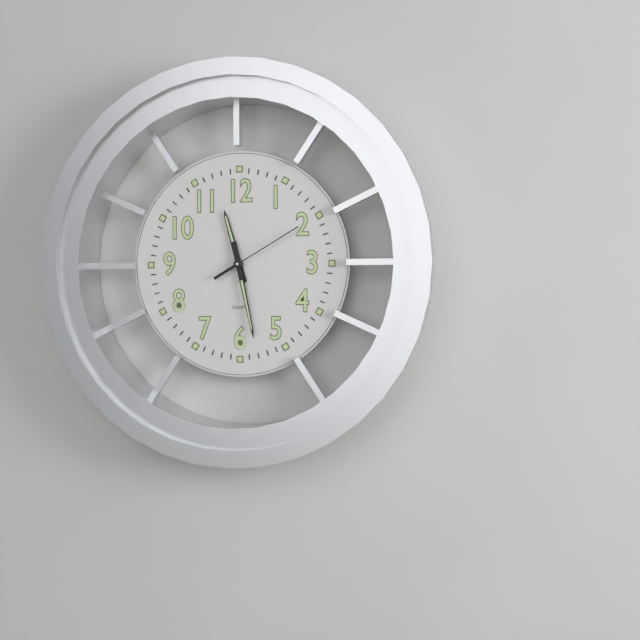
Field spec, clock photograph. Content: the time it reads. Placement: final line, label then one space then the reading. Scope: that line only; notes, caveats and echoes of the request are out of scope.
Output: 11:28:10
